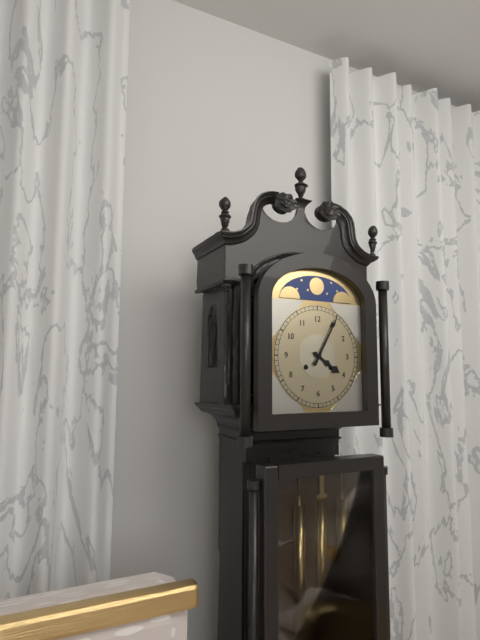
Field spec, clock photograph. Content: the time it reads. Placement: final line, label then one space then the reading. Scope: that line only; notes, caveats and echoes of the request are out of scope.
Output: 4:05
